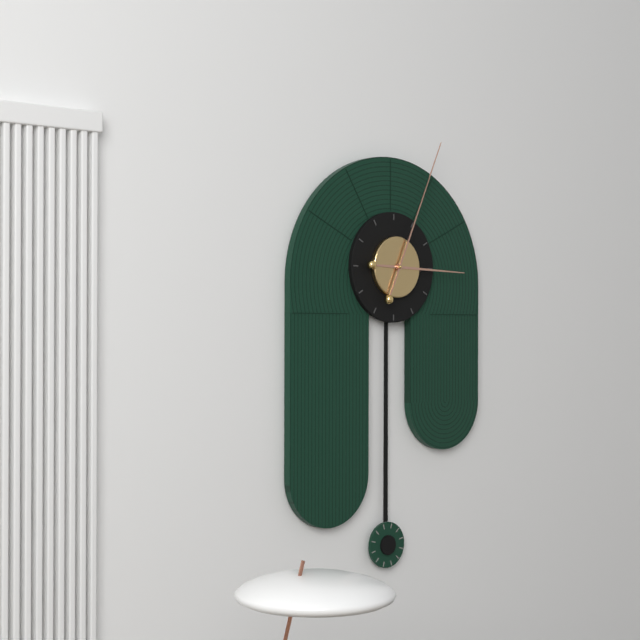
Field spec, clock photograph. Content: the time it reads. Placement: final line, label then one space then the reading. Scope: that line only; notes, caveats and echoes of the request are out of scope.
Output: 3:04
